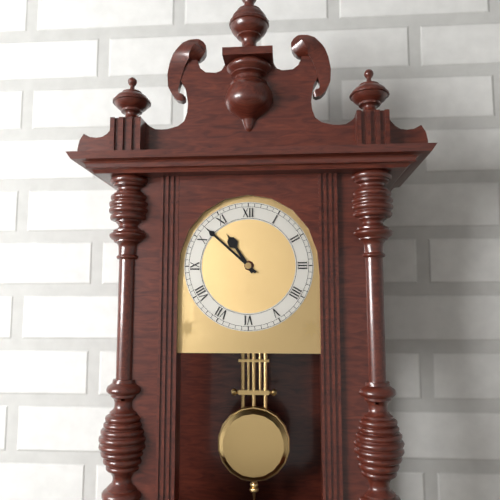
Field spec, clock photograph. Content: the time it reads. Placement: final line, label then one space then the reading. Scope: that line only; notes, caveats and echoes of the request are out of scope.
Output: 10:52
